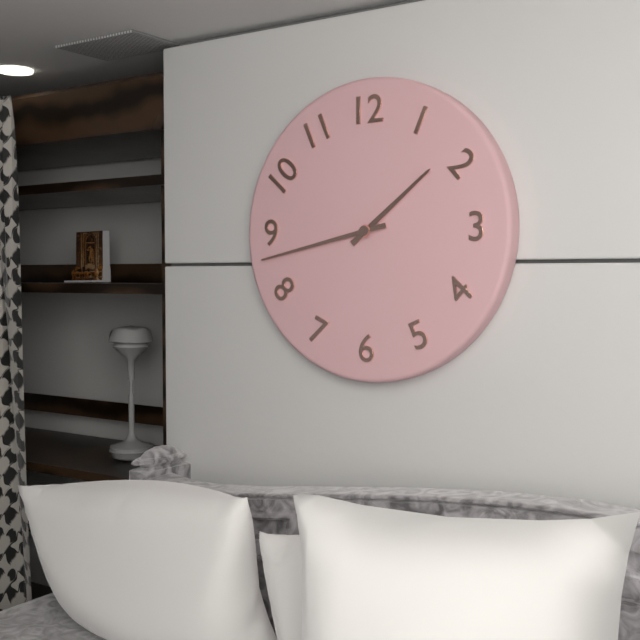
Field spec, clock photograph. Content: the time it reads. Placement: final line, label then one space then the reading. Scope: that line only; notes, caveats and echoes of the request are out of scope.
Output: 1:43
